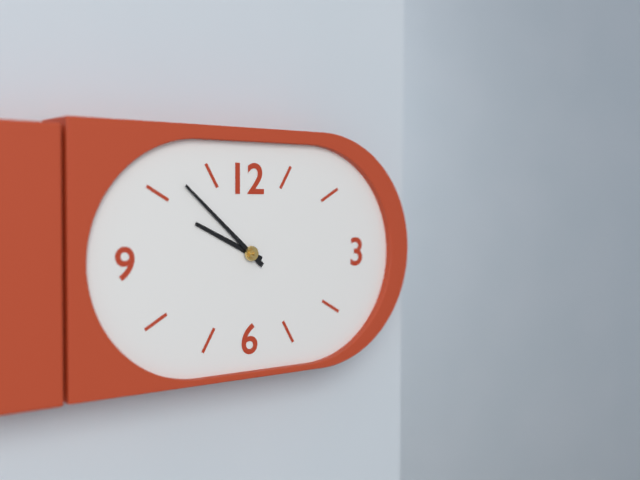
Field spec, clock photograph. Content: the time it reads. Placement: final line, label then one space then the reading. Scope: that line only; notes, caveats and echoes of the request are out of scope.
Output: 9:52
